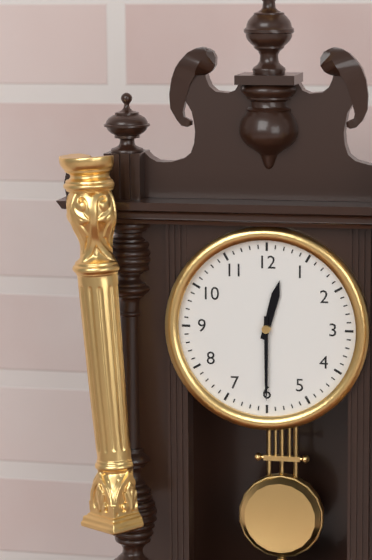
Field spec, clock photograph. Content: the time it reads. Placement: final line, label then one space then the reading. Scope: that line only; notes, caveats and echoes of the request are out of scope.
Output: 12:30
